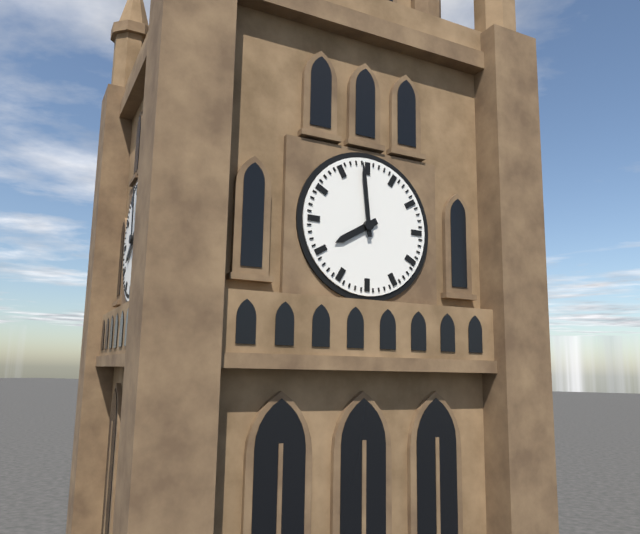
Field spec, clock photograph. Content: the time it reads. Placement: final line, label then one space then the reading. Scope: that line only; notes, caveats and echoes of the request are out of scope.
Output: 7:59
